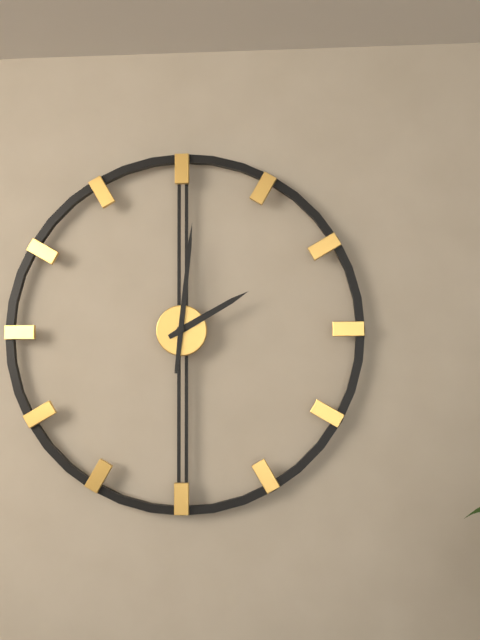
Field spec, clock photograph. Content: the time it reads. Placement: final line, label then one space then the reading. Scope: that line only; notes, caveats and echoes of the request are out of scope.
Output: 2:01
